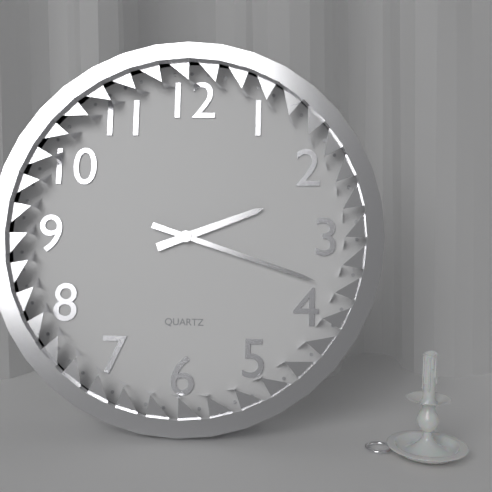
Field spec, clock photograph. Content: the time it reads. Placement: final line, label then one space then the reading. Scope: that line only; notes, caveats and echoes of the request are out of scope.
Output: 2:18
